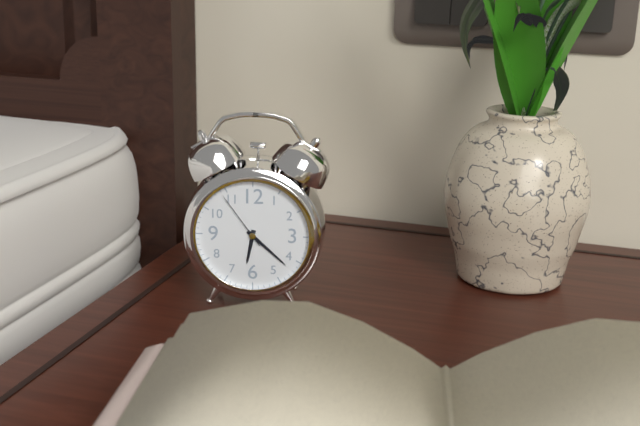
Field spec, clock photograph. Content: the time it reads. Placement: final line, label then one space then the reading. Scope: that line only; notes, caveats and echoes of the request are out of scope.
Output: 6:22:54
